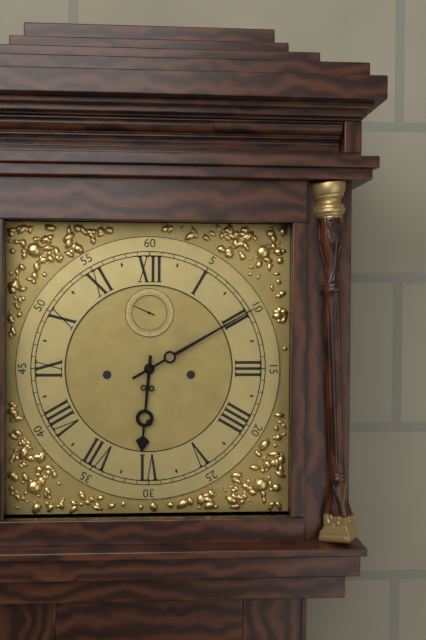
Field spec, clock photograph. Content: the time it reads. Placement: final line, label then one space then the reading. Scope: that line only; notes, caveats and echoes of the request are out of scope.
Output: 6:10
